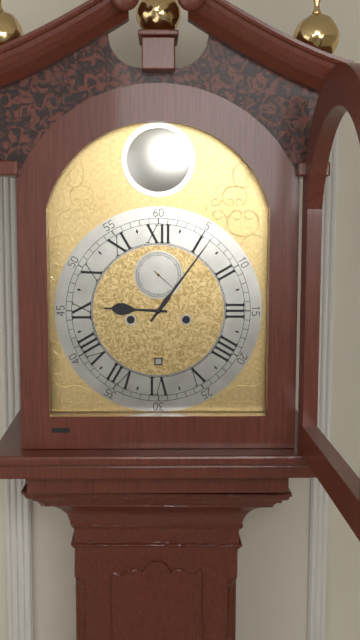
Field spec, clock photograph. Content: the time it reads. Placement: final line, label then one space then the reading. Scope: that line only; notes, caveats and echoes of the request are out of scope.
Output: 9:06
